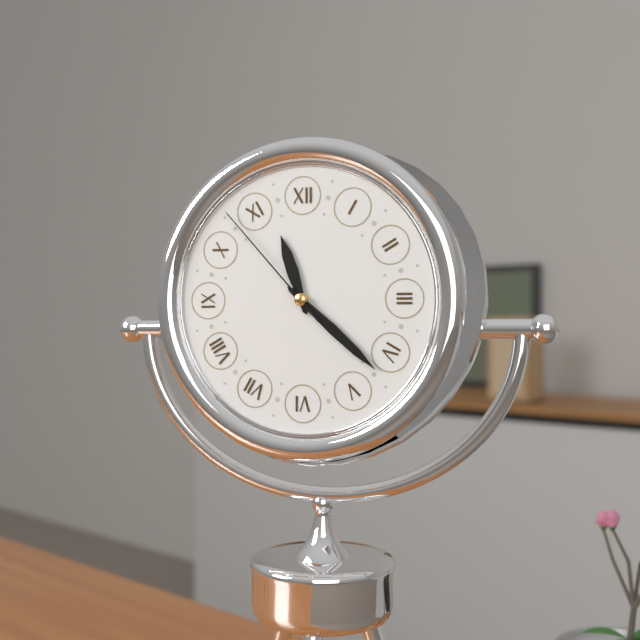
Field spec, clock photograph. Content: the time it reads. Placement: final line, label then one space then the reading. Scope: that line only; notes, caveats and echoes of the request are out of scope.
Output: 11:22:53
